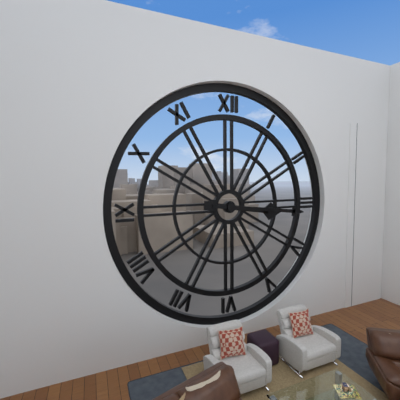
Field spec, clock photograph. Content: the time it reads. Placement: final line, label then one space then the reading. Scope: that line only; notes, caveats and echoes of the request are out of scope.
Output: 3:16
